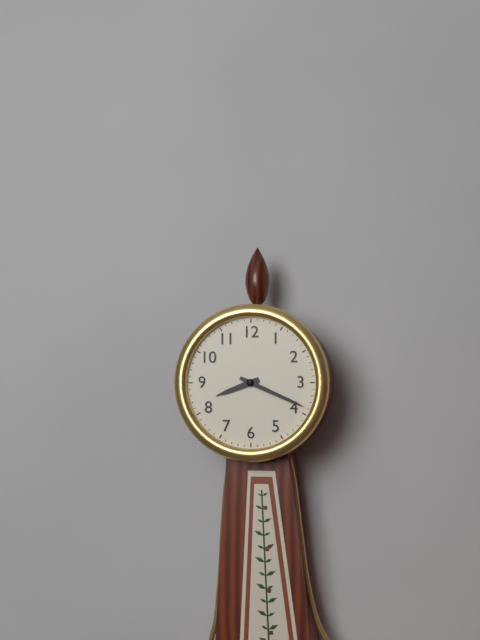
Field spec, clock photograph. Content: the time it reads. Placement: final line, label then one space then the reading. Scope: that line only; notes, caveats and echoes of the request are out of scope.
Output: 8:19
